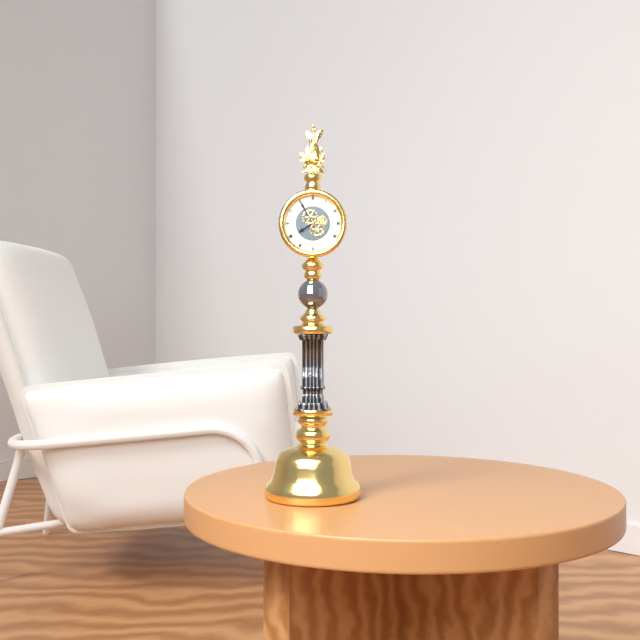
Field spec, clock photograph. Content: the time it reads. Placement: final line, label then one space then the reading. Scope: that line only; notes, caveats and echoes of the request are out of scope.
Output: 7:55
